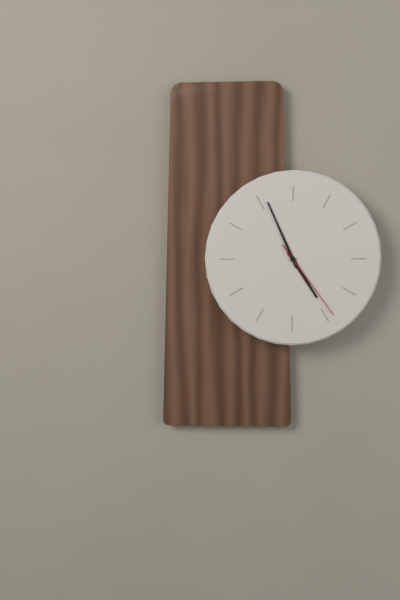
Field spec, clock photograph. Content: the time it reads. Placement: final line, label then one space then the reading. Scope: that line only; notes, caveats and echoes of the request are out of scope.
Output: 4:56:24
